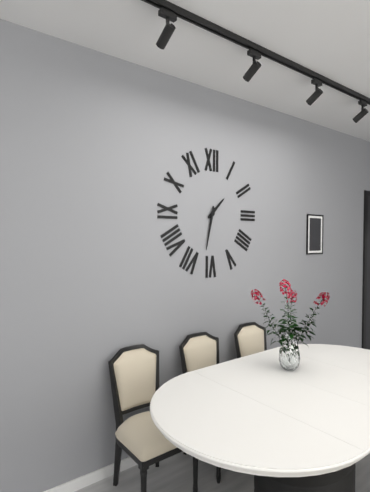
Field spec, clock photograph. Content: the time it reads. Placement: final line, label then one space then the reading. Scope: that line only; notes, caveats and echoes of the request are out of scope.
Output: 1:32
